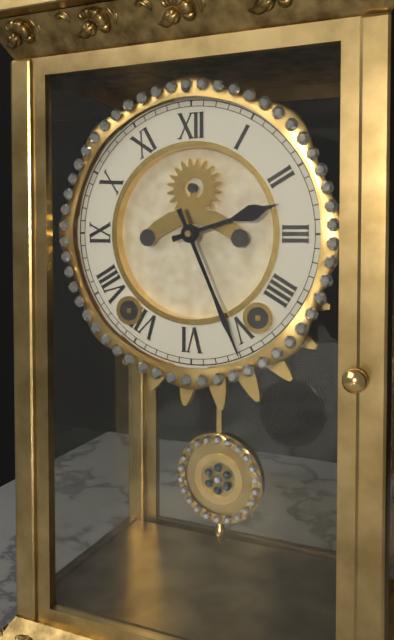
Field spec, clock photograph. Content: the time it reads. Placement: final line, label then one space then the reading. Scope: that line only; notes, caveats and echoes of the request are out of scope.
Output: 2:26
